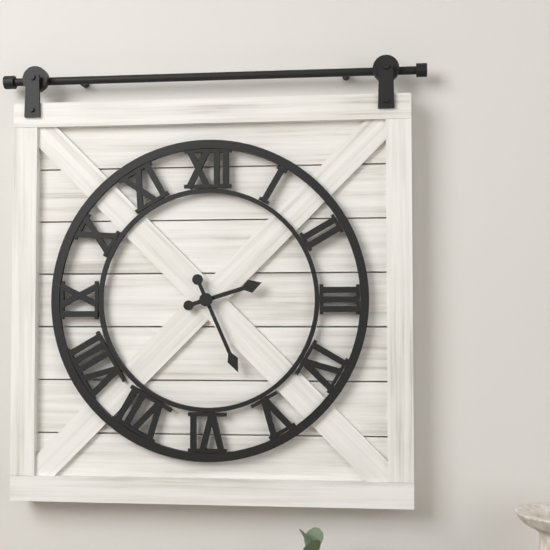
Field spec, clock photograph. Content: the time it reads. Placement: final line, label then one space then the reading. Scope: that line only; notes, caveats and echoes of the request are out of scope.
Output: 2:26
